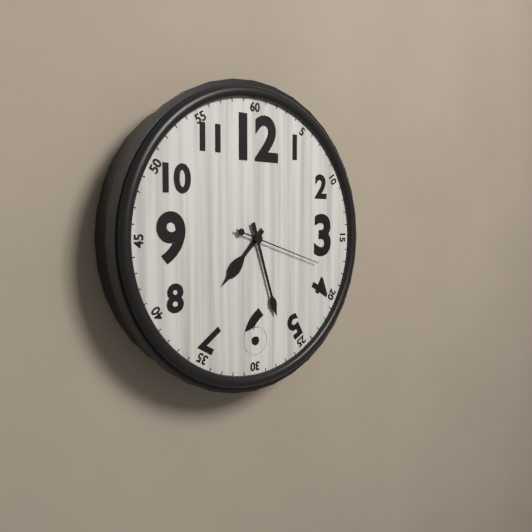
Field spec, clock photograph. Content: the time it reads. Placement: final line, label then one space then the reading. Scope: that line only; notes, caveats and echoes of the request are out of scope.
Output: 7:27:18
